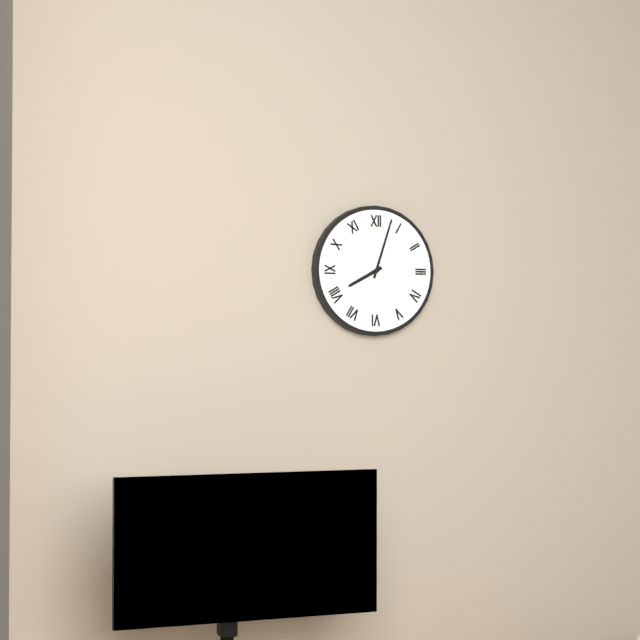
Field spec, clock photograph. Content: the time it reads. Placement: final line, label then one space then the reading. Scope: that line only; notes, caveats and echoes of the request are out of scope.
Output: 8:03
